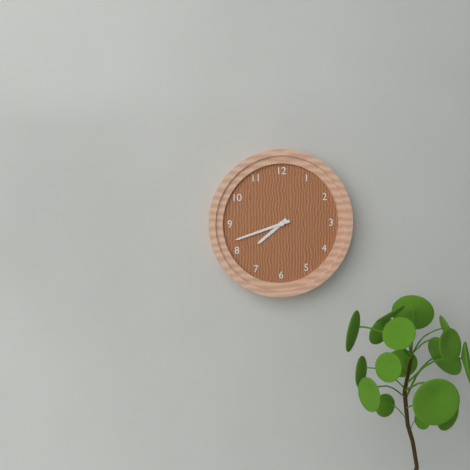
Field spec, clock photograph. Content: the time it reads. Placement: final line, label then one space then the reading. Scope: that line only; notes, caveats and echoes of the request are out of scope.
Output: 7:42
